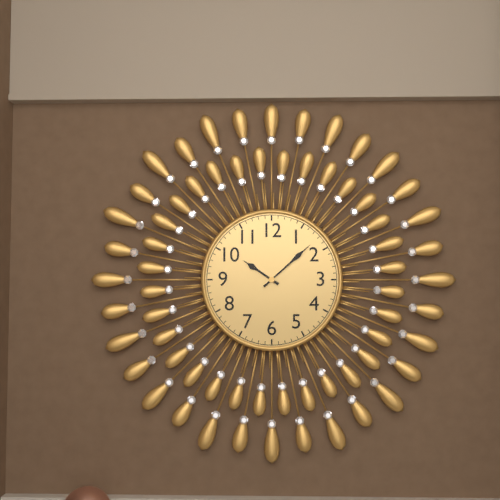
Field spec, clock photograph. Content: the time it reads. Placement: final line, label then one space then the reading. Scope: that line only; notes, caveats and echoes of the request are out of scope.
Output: 10:08
